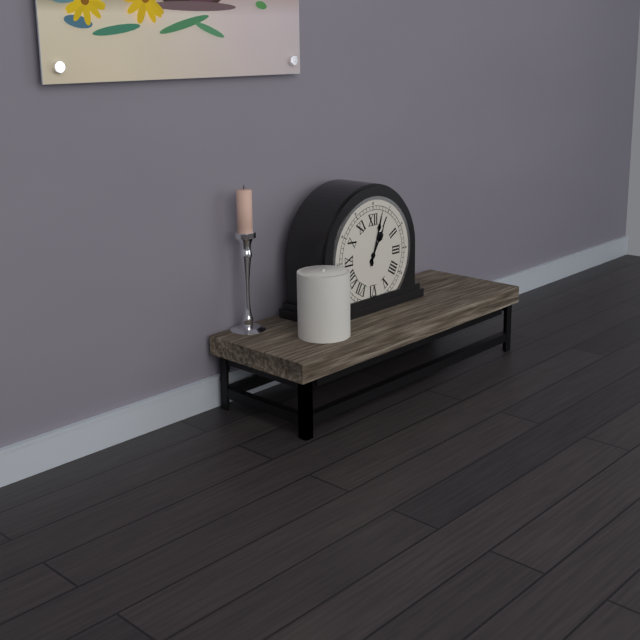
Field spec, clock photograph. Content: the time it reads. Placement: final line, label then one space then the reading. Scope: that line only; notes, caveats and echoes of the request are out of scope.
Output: 1:03
